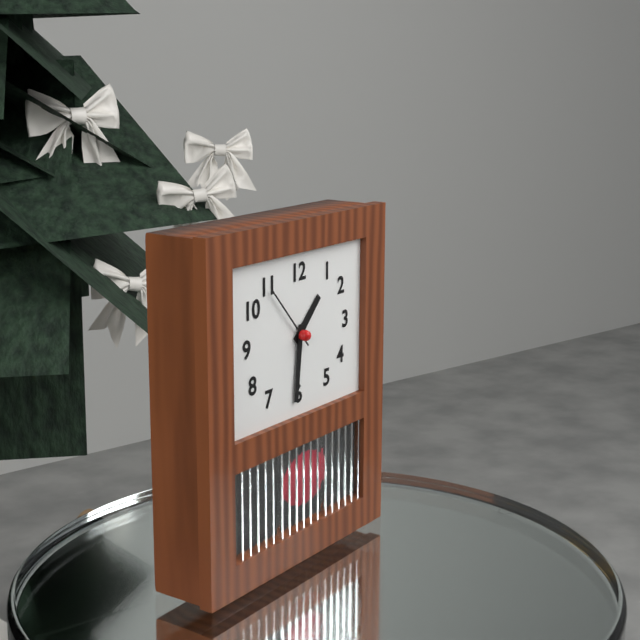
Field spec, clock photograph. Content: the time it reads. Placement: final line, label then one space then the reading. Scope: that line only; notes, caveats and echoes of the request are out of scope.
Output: 1:31:53
